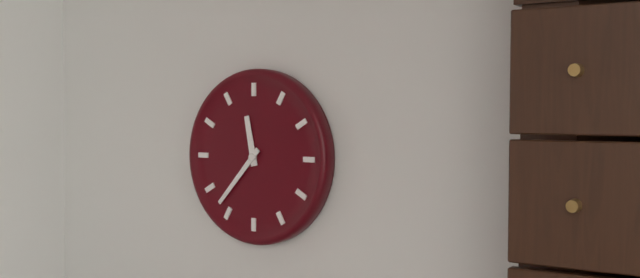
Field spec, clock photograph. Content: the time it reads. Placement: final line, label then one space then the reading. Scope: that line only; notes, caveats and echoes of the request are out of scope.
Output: 11:37
